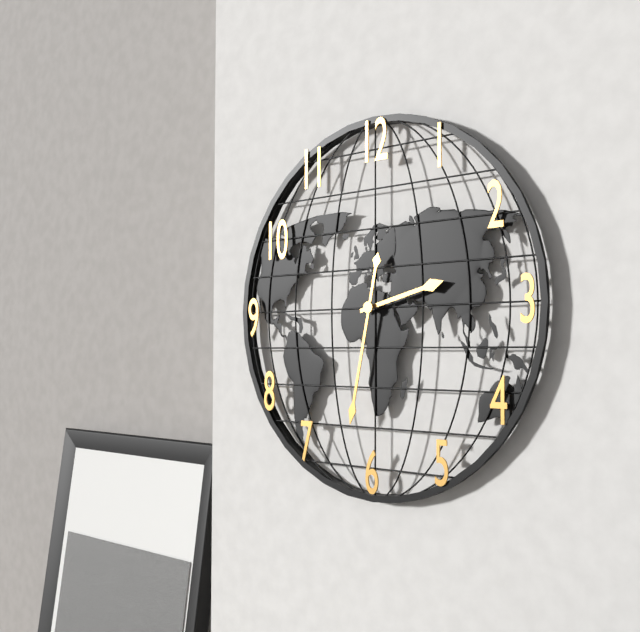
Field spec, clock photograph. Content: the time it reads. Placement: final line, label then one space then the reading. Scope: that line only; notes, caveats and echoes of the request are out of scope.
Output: 2:32
